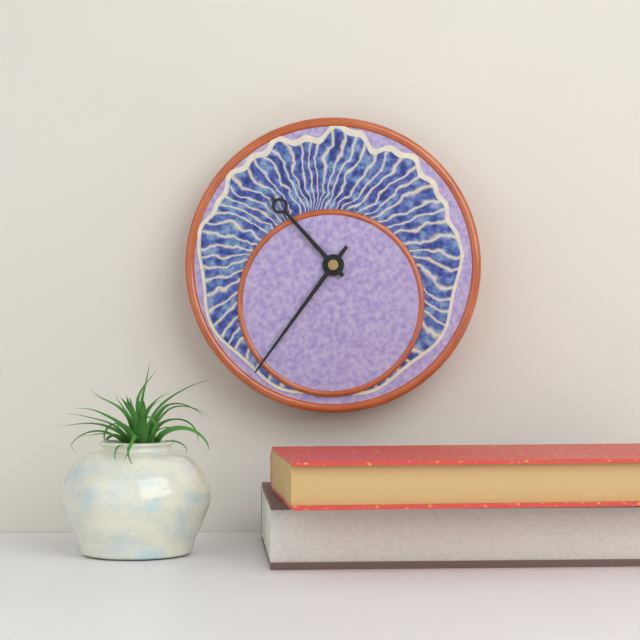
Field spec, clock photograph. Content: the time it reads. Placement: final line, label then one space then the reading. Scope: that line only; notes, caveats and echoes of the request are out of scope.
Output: 10:36
